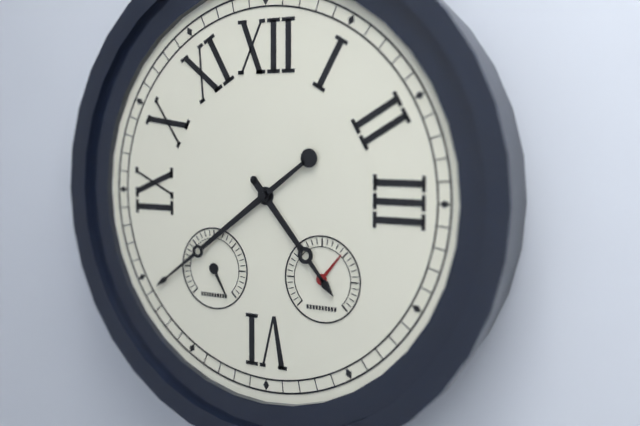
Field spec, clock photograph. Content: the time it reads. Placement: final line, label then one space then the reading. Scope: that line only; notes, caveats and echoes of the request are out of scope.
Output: 4:39
